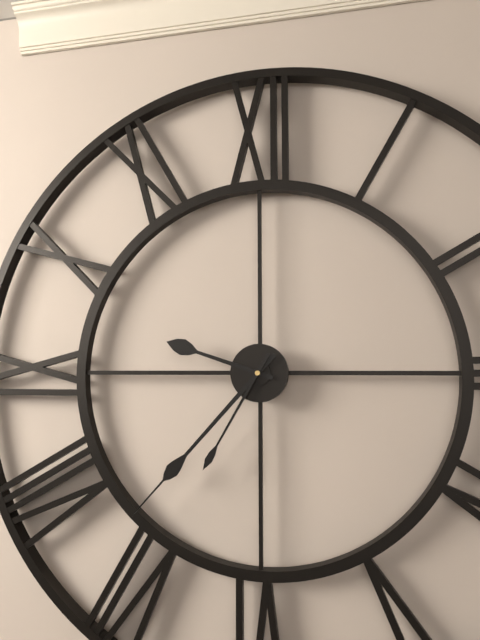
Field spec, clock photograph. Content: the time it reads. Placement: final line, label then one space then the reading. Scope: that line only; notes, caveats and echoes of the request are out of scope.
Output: 9:37:35
